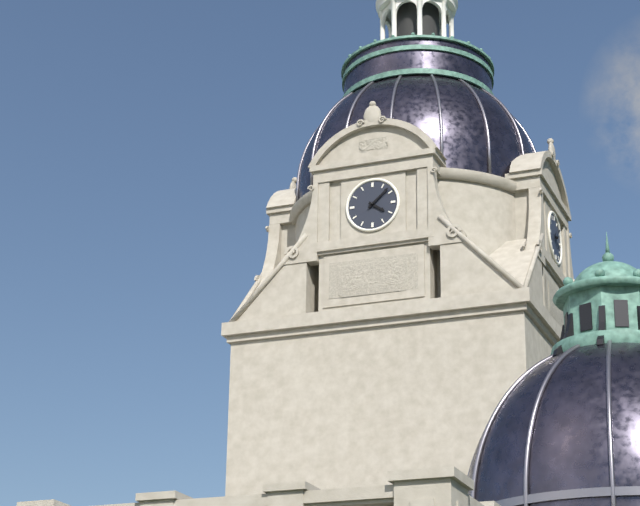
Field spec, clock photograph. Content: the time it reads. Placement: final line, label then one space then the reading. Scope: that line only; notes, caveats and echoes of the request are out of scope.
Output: 4:08
